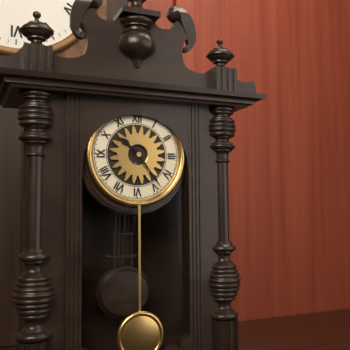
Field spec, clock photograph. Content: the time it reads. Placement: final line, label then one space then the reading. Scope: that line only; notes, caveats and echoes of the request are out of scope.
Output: 10:24
